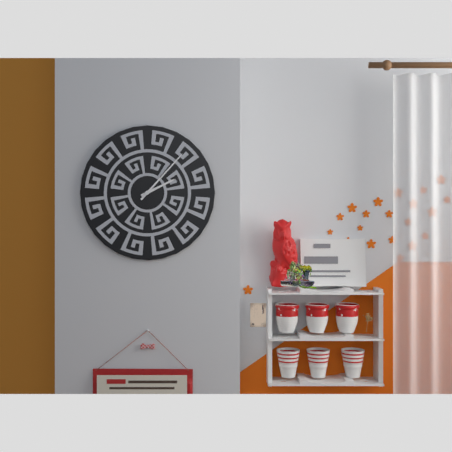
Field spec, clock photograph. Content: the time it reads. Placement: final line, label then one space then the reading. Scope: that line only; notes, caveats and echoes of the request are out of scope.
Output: 2:07
